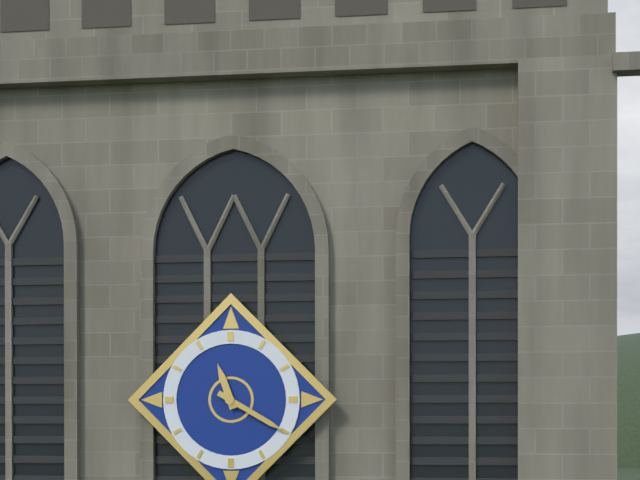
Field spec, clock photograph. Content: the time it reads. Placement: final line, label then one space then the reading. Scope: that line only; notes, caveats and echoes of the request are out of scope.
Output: 11:20
